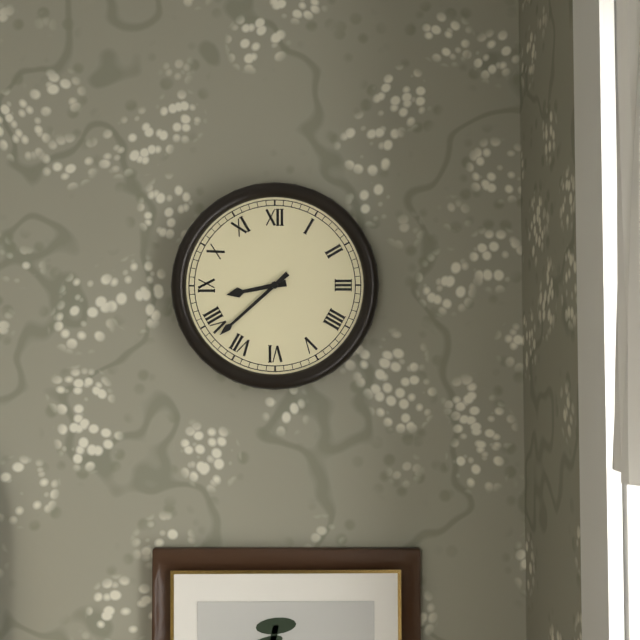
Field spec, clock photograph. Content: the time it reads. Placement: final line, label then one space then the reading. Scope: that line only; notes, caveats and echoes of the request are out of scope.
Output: 8:38
